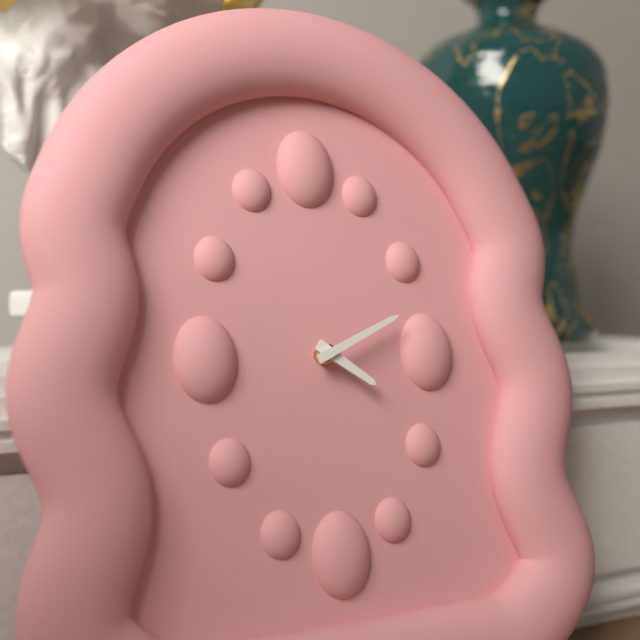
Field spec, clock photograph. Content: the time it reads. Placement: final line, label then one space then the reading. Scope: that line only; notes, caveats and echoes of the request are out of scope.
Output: 4:11
